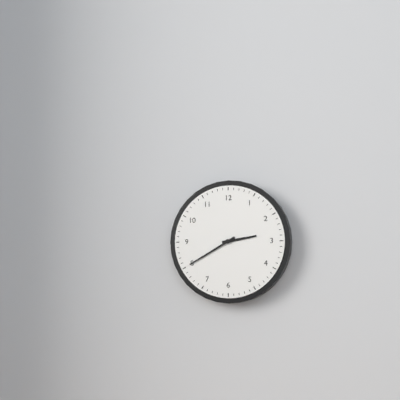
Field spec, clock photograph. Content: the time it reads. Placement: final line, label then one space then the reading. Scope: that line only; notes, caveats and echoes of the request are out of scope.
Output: 2:40
